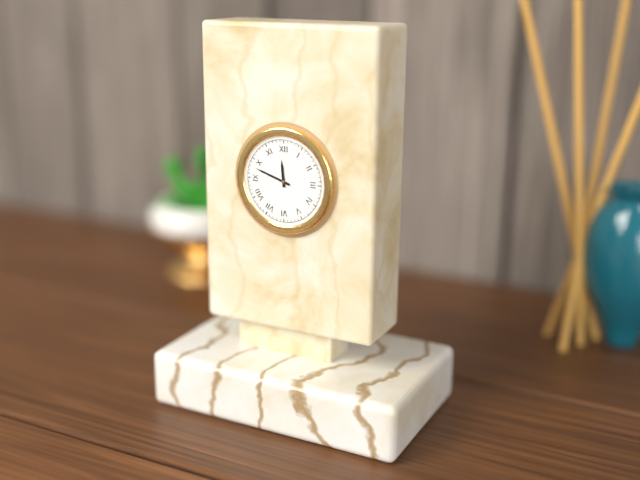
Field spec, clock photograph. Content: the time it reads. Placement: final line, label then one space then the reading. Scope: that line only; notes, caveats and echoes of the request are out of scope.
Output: 11:48
